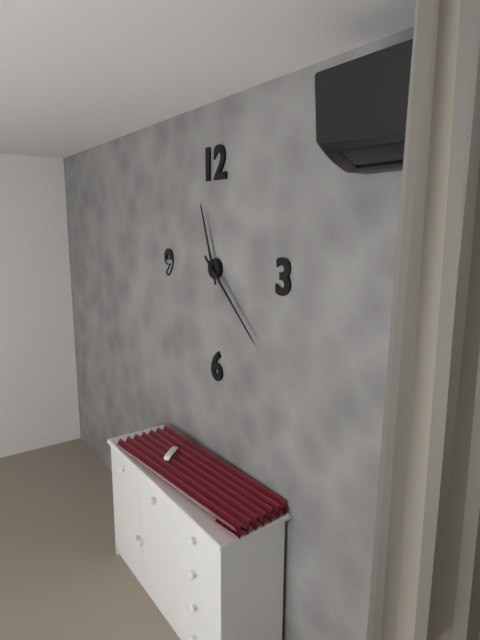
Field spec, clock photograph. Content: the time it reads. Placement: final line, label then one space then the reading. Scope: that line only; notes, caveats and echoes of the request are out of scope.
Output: 11:22
